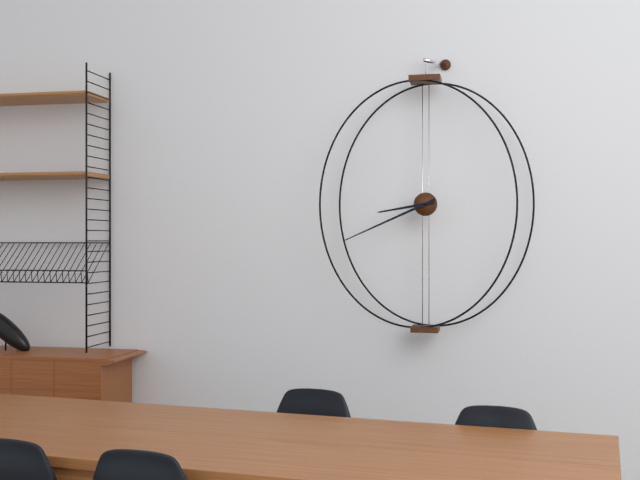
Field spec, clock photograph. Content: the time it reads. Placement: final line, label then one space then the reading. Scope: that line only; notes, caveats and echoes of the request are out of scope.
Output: 8:41
